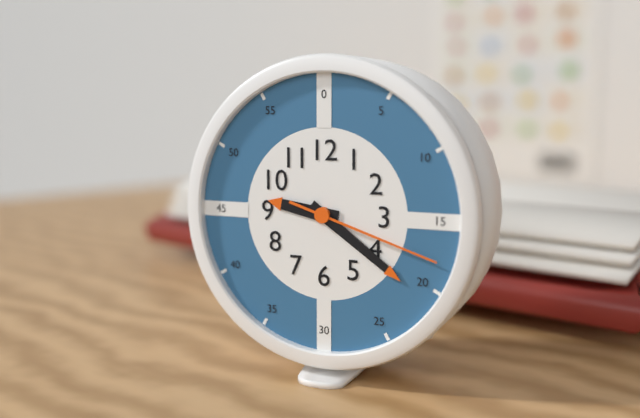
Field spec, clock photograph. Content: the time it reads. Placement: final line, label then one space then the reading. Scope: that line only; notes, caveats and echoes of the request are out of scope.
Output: 9:21:18
